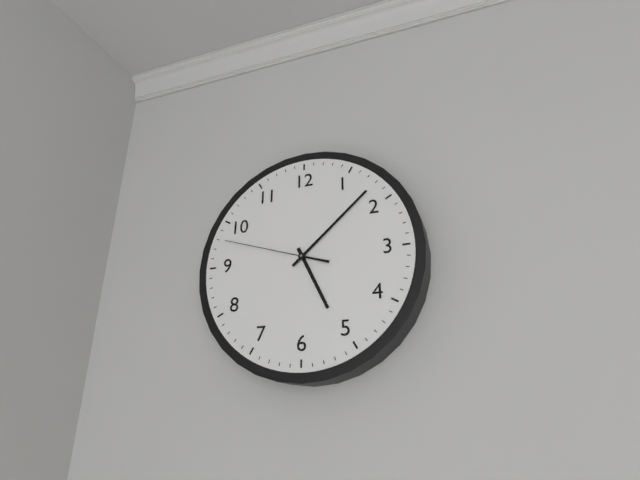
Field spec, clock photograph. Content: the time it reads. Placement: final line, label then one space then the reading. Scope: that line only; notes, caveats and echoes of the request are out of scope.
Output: 5:08:48
